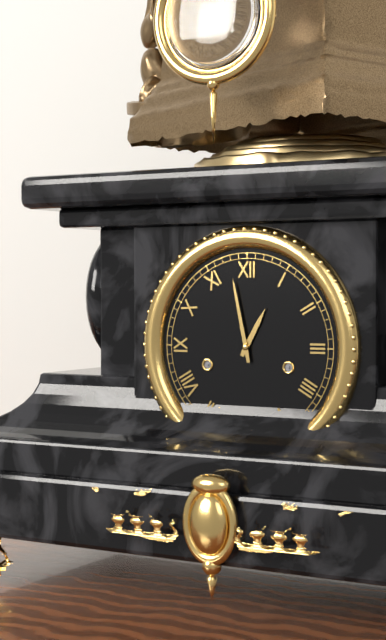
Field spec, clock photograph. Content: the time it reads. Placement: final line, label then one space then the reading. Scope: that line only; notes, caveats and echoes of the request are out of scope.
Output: 12:58
